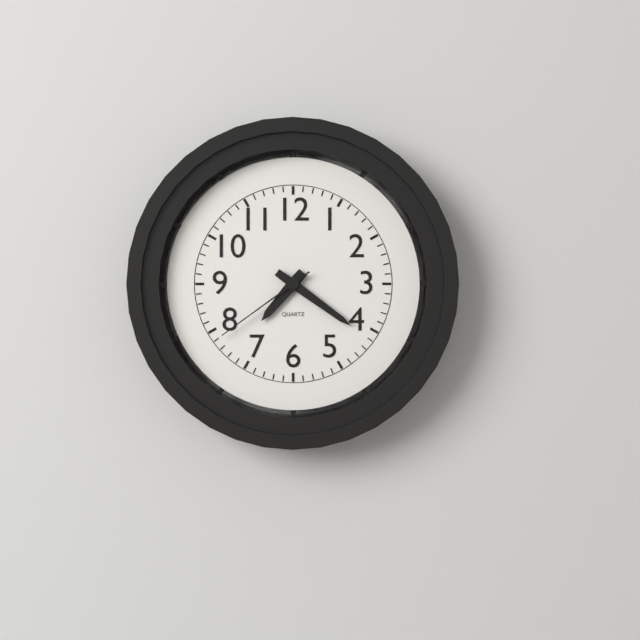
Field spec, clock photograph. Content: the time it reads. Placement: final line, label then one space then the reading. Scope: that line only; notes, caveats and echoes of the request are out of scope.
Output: 7:21:39
